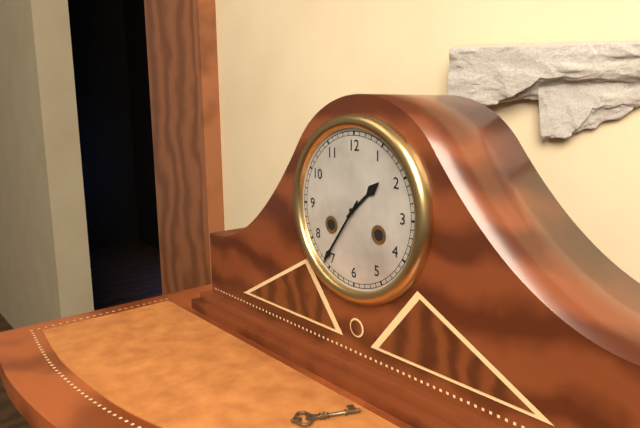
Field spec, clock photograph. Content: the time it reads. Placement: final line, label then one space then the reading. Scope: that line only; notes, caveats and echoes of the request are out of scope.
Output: 1:36
